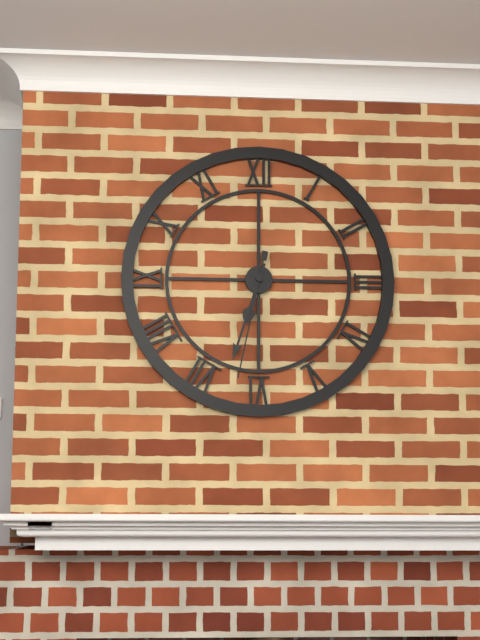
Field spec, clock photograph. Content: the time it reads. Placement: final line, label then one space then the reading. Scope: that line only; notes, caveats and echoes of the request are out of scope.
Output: 6:33:32
